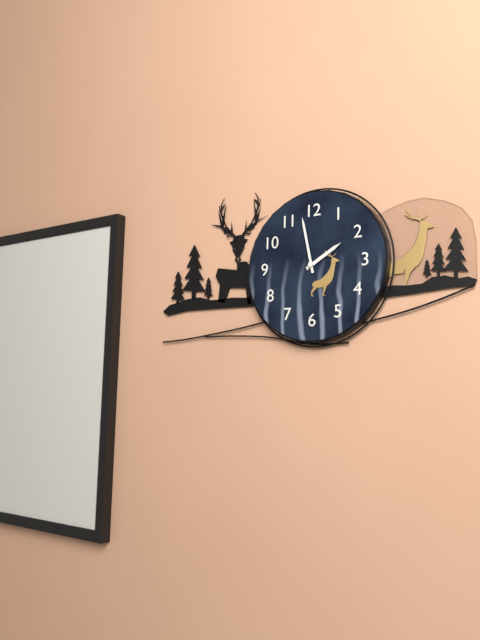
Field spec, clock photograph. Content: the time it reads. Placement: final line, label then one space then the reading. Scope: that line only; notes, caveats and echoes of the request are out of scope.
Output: 1:58
